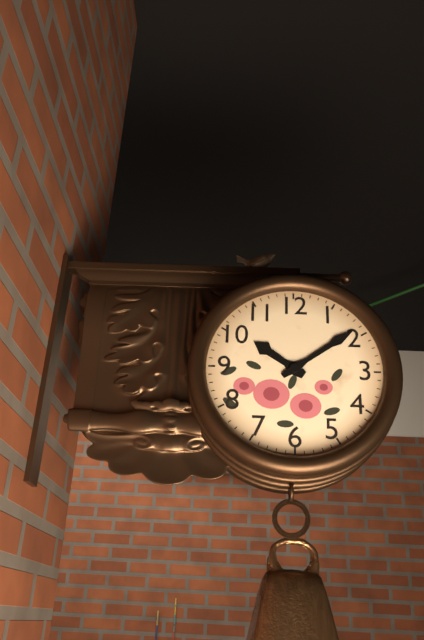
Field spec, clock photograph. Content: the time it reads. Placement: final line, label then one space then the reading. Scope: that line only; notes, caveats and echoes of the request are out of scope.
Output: 10:09
